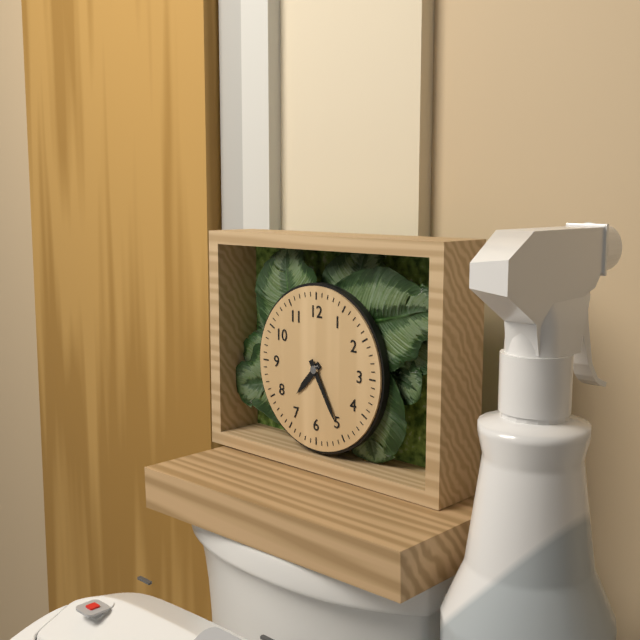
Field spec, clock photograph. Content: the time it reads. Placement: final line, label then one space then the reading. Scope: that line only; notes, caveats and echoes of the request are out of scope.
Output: 7:25
